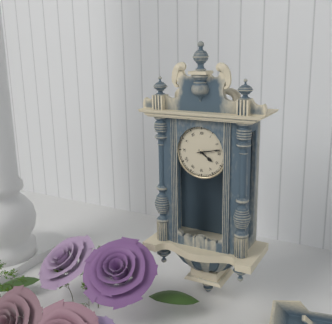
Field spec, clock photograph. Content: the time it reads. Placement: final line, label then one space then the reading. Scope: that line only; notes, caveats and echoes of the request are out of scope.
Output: 4:13
